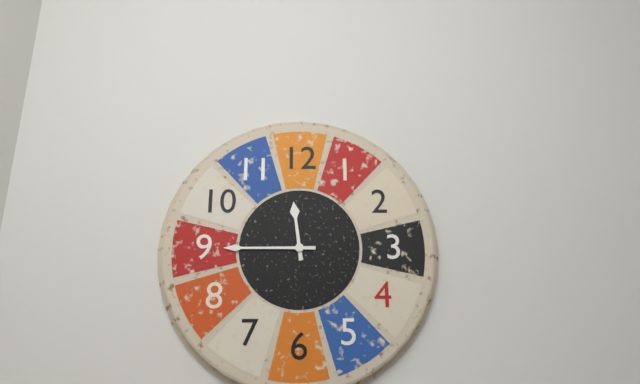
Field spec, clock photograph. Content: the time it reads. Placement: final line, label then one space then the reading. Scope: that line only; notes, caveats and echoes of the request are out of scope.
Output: 11:45
